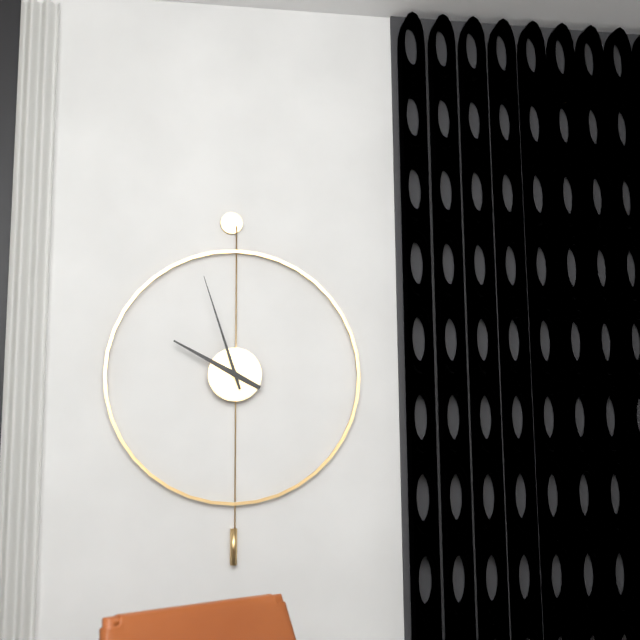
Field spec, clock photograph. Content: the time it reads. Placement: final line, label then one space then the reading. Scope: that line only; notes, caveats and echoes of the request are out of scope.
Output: 9:57
